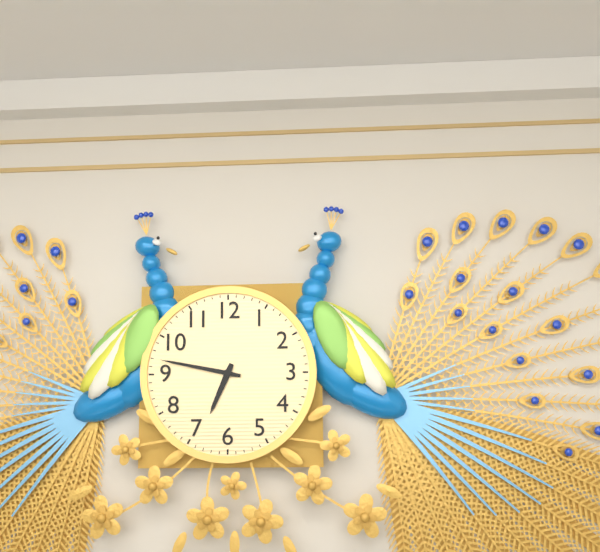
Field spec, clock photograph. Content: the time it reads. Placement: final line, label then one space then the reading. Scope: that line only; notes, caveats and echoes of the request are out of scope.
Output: 6:47
